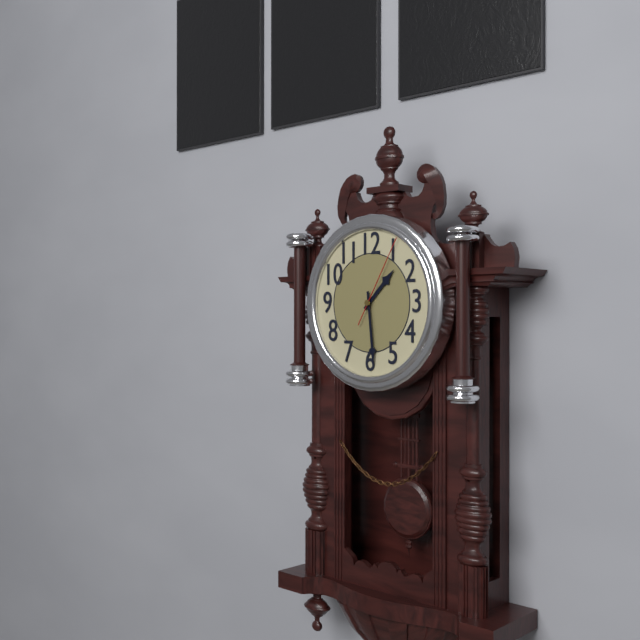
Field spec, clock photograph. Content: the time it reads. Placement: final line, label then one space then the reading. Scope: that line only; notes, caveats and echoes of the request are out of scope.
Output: 1:29:05
